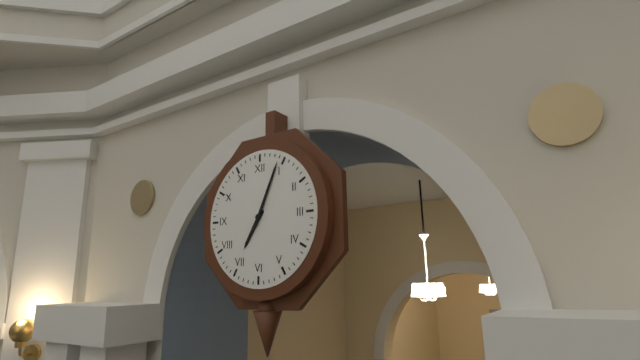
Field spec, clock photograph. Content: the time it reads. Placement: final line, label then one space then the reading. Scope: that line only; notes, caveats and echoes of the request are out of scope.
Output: 7:04
